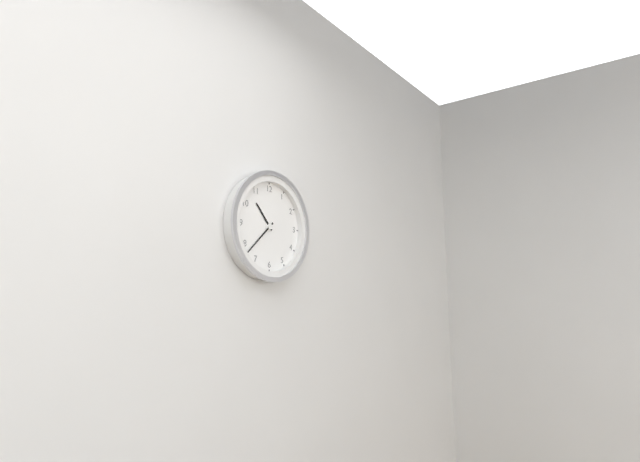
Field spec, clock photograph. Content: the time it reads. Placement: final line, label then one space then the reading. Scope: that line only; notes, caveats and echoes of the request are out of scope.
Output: 10:38
